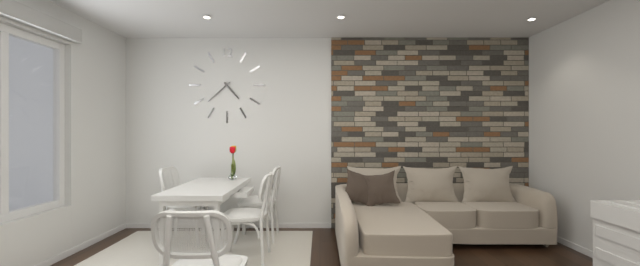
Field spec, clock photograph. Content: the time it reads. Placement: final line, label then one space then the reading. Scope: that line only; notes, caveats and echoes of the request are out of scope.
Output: 4:38
